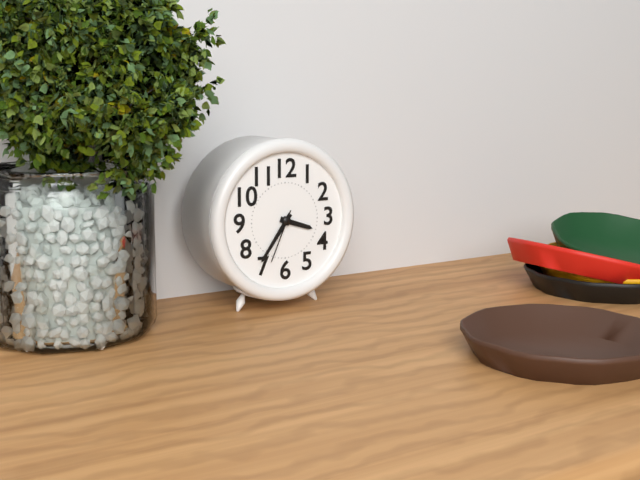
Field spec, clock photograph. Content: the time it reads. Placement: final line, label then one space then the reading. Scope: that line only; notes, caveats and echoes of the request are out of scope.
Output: 3:36:34
